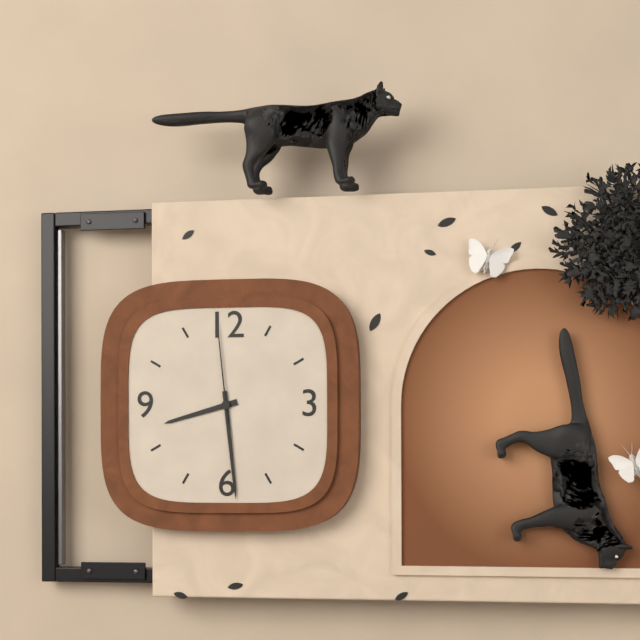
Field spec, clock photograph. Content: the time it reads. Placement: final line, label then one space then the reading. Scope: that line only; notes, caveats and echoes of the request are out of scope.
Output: 8:29:59
